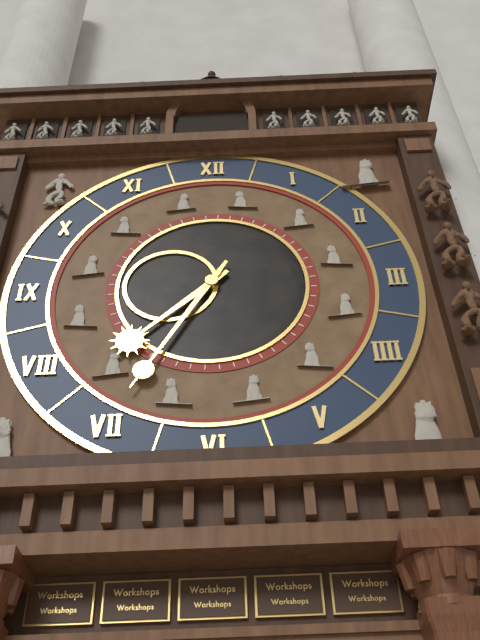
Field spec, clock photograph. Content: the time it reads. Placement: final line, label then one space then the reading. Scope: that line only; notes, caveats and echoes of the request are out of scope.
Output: 7:35
